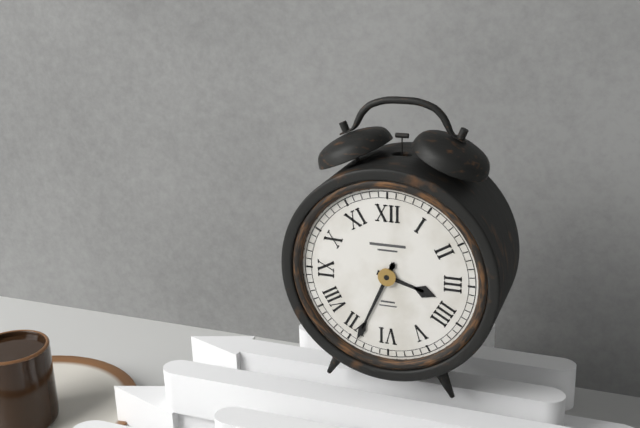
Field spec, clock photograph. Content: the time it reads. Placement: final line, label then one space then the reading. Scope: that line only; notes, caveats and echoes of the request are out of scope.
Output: 3:34
